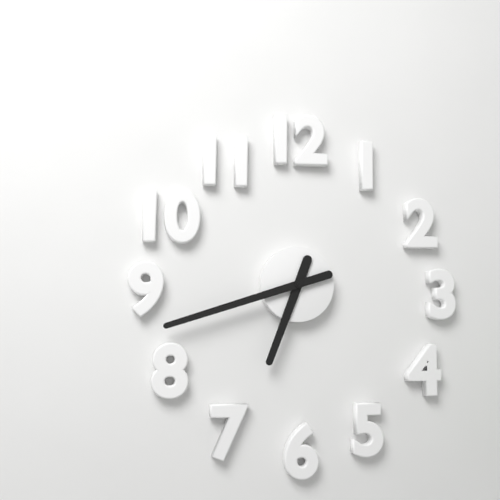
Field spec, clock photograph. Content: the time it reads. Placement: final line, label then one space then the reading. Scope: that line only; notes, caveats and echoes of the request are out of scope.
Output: 6:42
